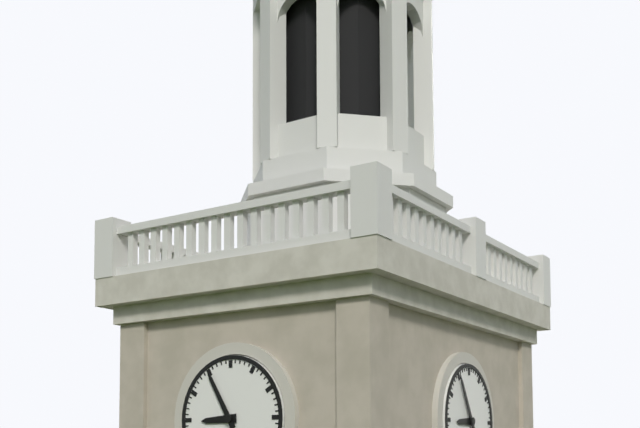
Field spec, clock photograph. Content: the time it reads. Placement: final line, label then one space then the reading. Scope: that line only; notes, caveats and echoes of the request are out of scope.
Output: 8:55
